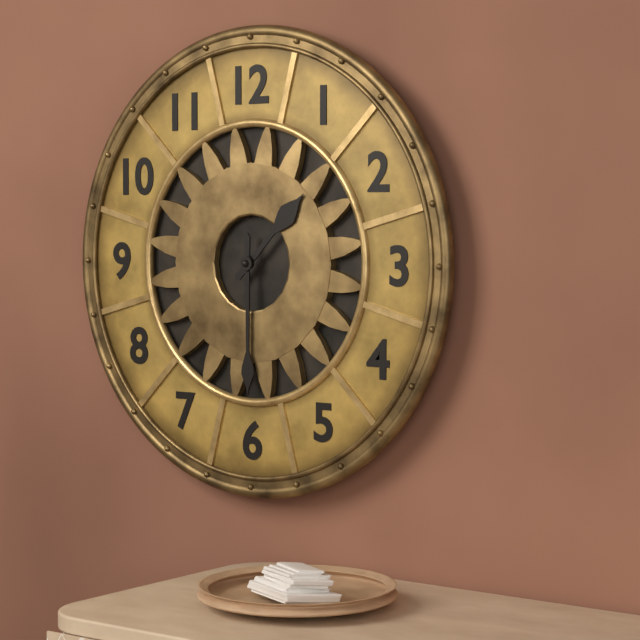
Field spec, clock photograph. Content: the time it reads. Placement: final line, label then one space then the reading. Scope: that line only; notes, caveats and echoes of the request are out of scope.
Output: 1:30
